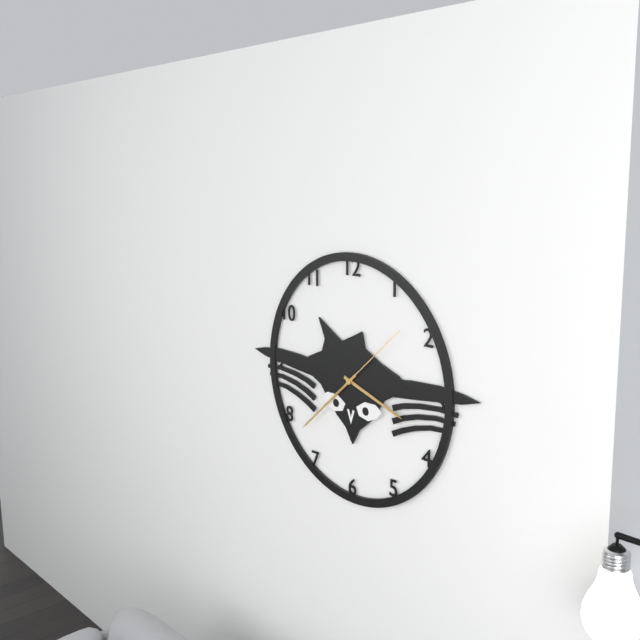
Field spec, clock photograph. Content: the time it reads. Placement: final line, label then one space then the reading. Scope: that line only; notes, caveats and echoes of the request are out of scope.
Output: 3:38:08
